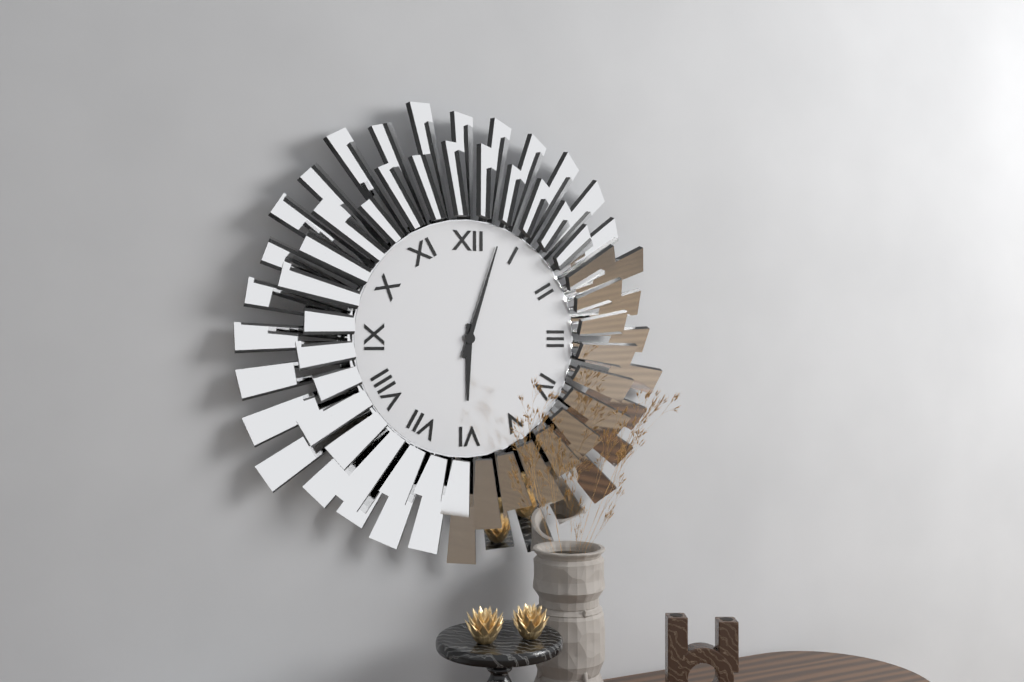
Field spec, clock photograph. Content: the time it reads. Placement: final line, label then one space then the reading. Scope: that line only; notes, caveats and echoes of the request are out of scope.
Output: 6:03
